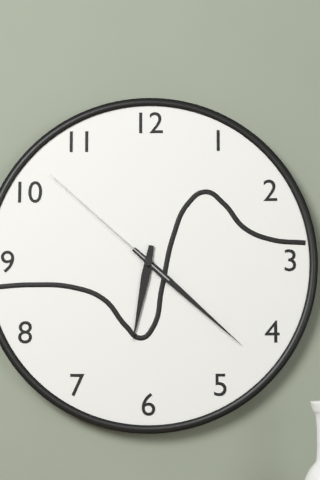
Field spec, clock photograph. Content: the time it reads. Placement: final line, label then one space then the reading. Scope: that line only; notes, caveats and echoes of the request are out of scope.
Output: 6:22:52
